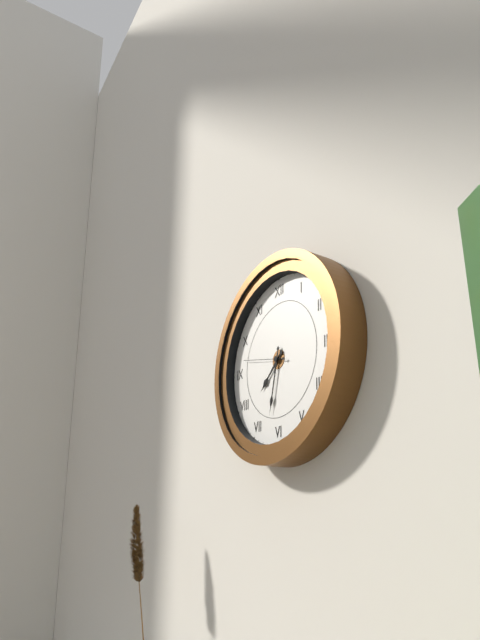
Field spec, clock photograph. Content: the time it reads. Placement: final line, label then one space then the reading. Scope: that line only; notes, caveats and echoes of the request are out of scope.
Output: 7:32
